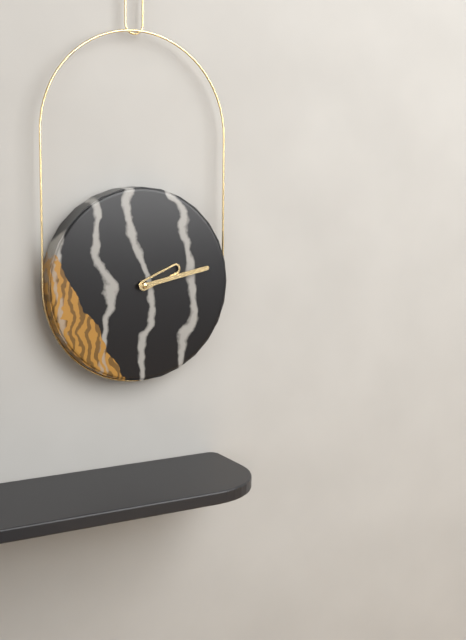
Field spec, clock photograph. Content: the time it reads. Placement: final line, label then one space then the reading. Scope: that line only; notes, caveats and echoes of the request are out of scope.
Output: 2:13
